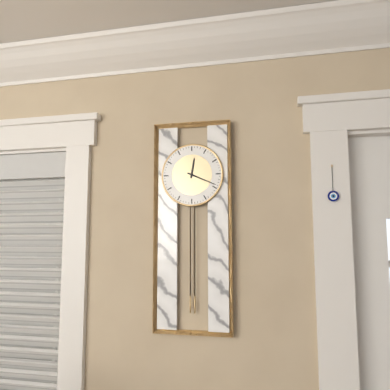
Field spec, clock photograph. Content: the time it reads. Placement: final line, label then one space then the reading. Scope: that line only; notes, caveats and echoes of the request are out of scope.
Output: 12:19
